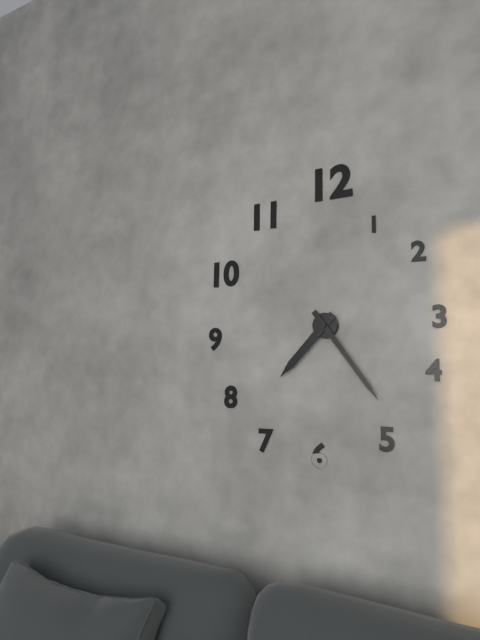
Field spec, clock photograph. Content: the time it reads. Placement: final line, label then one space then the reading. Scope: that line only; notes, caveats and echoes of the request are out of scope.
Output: 7:24
